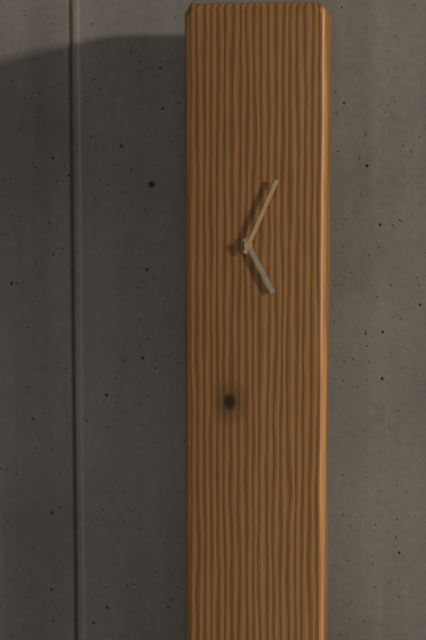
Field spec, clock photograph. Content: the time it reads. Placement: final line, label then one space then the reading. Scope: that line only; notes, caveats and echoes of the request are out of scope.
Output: 5:04
